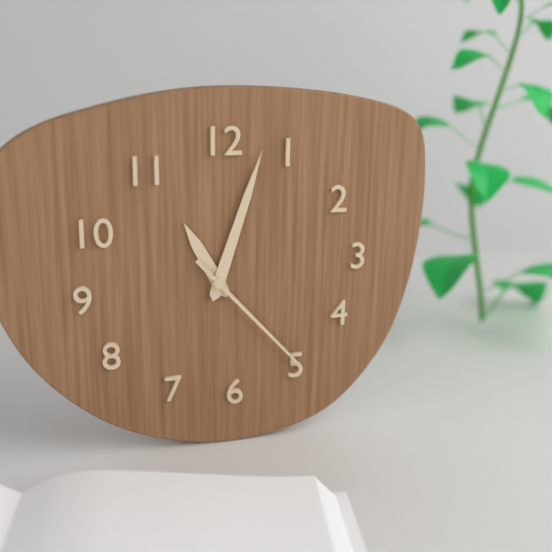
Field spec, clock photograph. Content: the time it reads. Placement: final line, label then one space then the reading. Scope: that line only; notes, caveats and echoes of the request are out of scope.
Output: 11:03:23
